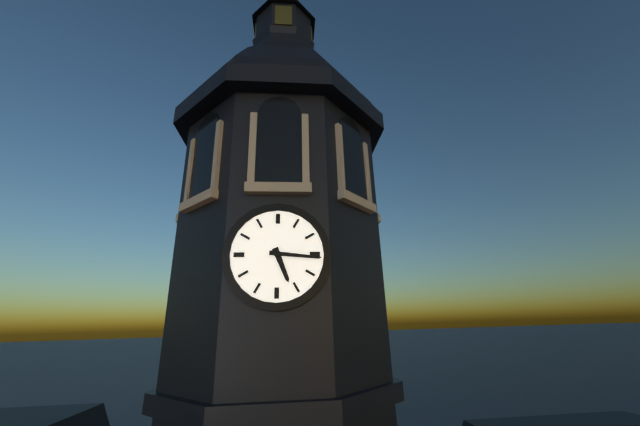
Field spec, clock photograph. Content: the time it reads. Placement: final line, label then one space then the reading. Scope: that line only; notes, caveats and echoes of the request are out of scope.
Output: 5:16
